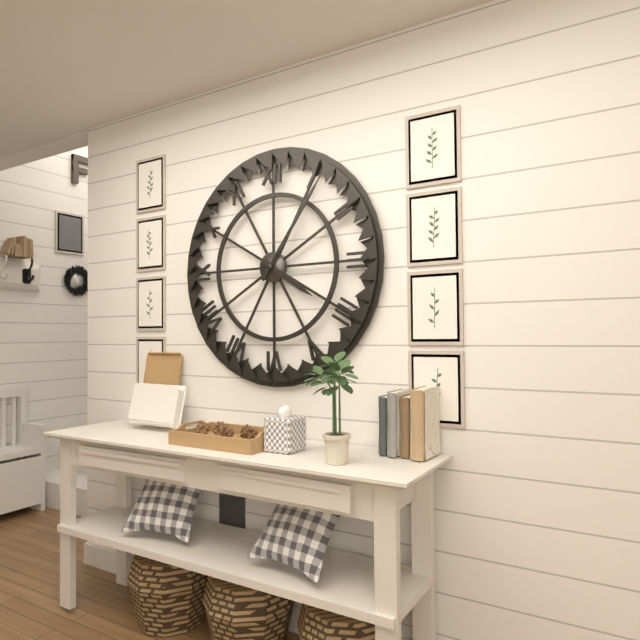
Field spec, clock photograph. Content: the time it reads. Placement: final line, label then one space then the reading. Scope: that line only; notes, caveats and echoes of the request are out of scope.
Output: 4:06
